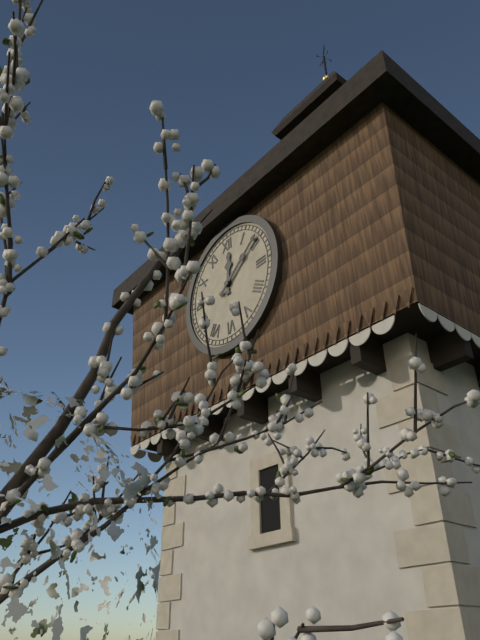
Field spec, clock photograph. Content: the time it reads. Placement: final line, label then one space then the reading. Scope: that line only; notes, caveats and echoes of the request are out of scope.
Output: 12:09
